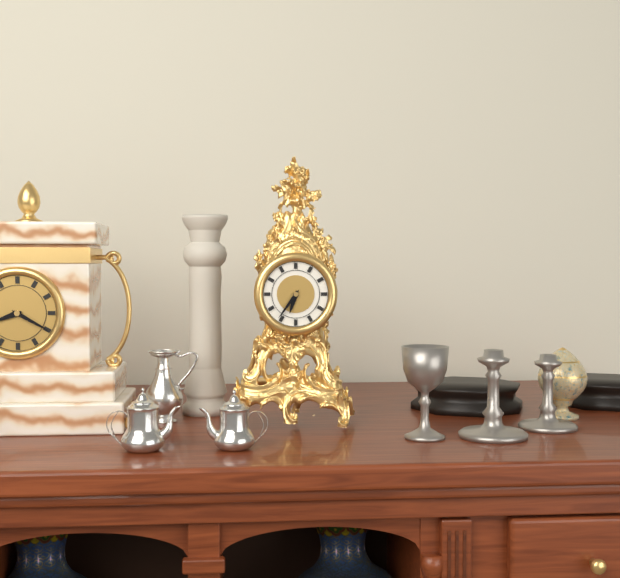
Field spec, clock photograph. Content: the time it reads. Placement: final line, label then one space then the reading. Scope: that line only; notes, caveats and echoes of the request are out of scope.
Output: 6:36
